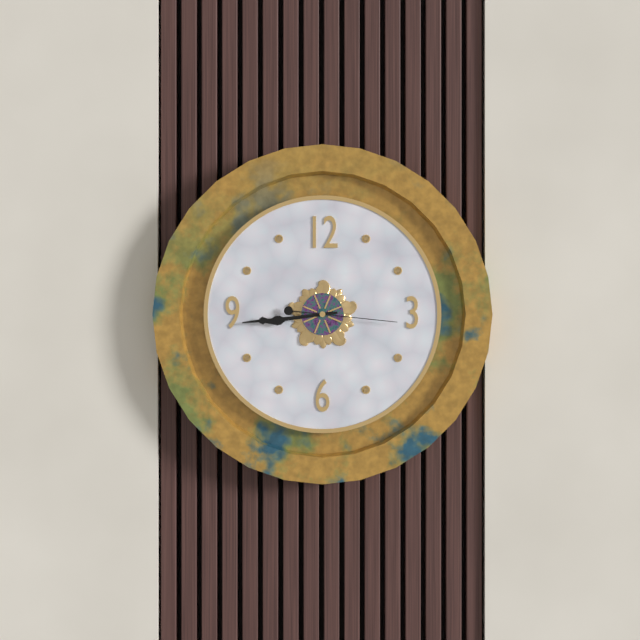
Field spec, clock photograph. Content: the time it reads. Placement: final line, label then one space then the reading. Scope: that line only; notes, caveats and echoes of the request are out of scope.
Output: 8:44:16
